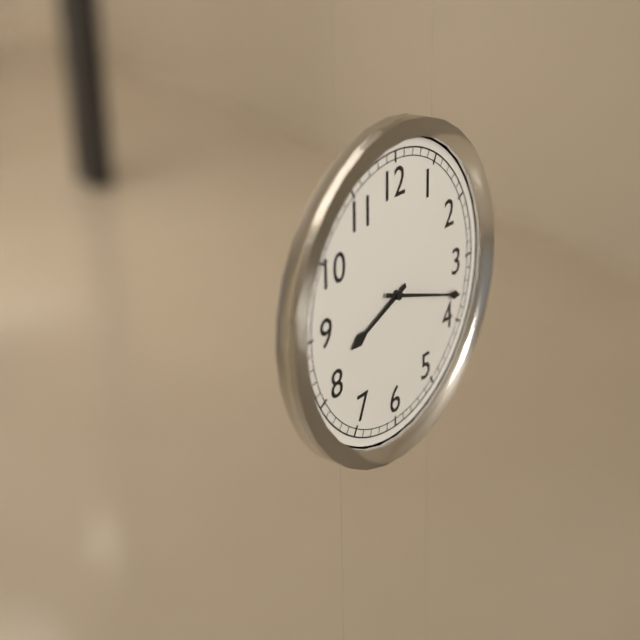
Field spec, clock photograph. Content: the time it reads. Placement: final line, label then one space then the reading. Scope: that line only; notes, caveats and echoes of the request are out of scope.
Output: 8:18
